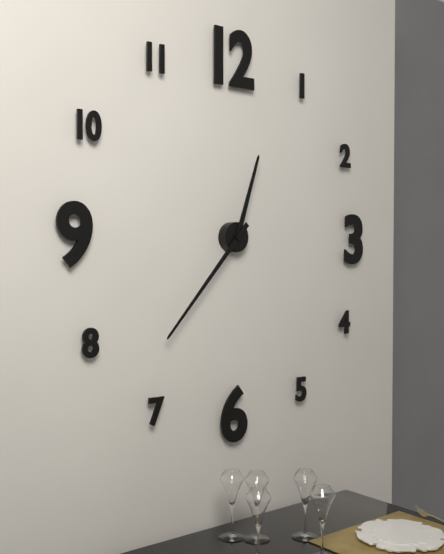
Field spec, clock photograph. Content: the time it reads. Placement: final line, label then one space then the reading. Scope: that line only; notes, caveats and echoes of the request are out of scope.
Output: 12:37
